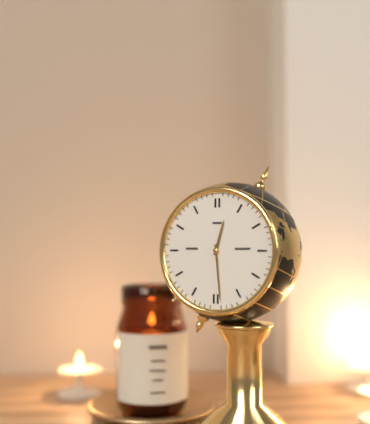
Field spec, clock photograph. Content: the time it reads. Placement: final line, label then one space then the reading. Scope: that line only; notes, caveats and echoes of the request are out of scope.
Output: 12:29
